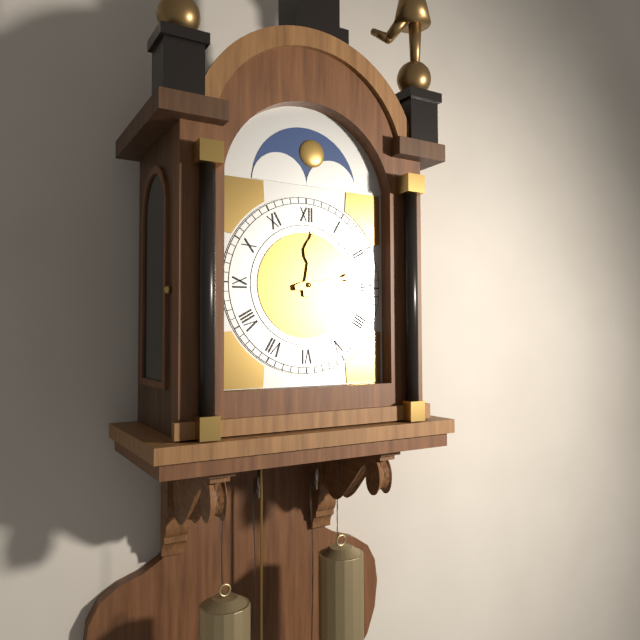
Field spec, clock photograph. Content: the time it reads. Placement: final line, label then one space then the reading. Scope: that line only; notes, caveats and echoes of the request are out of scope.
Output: 12:13
